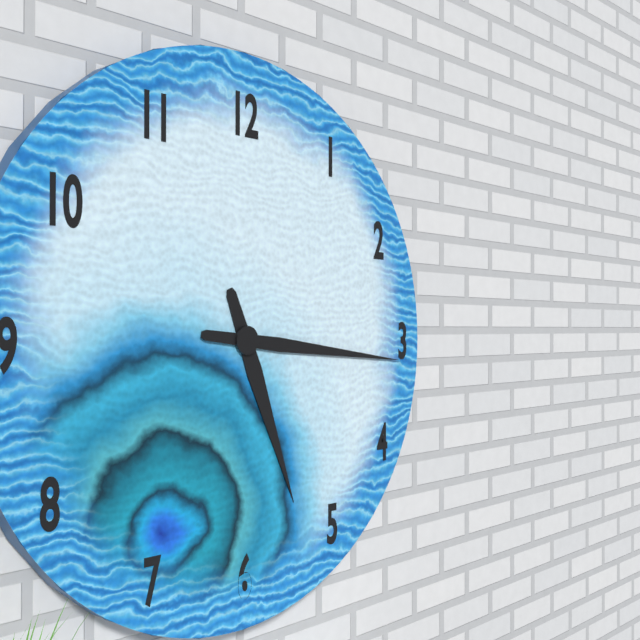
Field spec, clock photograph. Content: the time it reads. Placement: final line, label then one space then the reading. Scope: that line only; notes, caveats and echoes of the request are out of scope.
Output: 5:16
